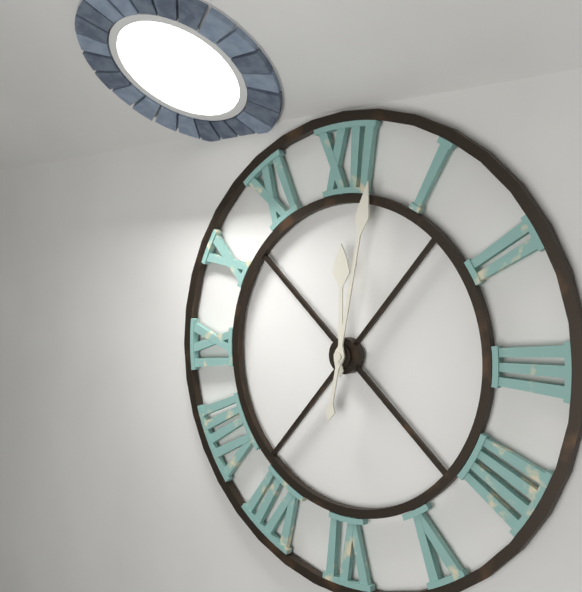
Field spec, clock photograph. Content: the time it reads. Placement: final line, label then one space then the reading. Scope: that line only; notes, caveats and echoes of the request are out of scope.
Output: 12:02
